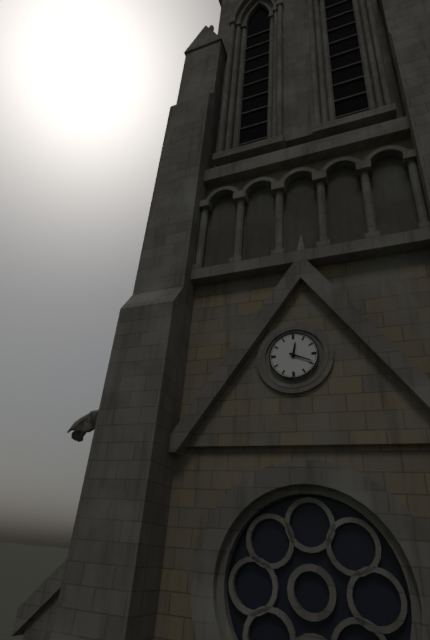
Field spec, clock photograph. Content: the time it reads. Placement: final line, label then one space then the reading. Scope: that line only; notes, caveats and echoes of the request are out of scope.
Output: 12:19
